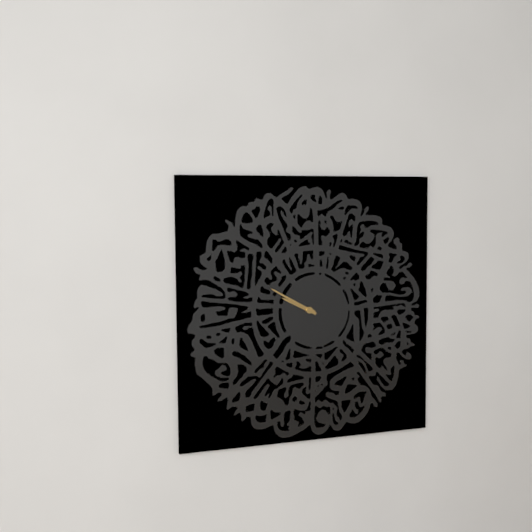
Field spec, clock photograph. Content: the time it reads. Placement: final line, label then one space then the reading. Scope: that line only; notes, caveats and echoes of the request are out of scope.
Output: 9:50
